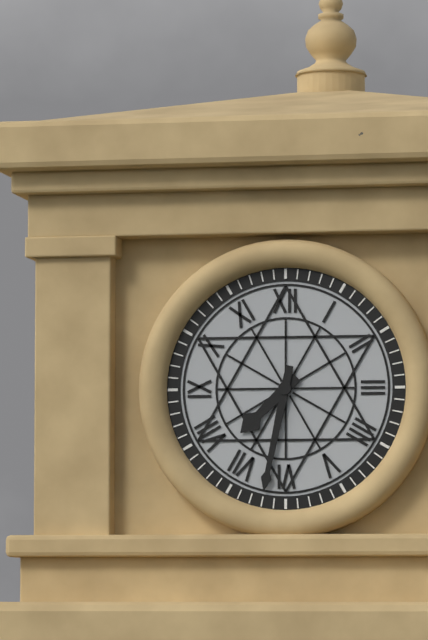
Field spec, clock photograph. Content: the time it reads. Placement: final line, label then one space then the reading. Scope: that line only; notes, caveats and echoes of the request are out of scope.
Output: 7:32
